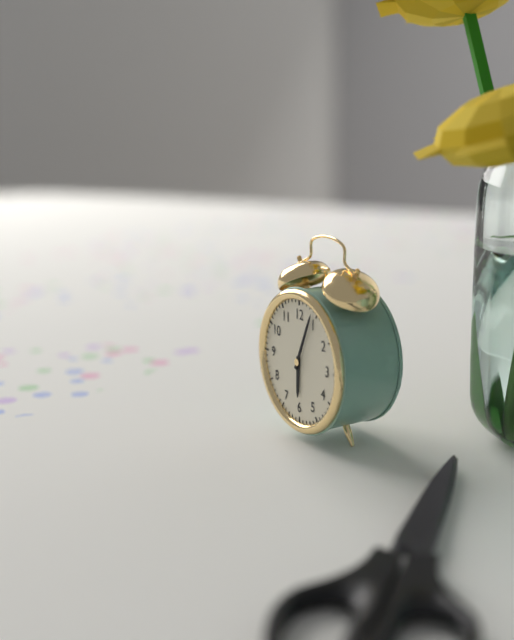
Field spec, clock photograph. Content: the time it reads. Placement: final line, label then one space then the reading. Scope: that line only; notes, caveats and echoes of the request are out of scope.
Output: 6:04
